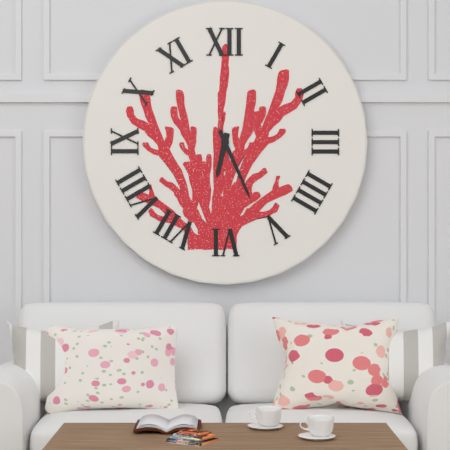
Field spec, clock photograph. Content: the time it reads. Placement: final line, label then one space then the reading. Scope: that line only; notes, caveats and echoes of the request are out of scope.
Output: 6:26
